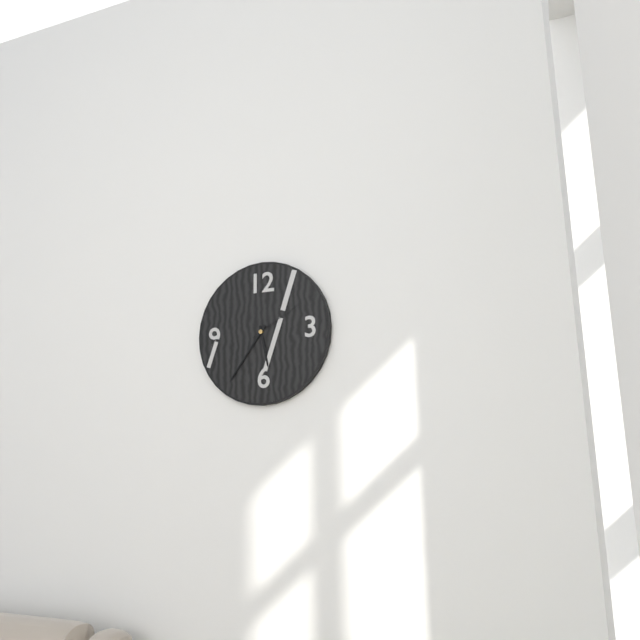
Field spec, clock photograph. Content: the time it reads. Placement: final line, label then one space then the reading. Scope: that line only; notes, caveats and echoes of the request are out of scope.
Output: 5:36:10
